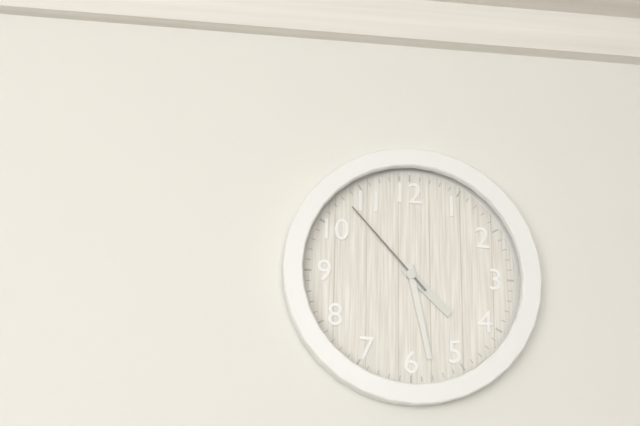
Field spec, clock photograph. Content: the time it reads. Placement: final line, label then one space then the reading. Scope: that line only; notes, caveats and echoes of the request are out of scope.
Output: 4:28:53
